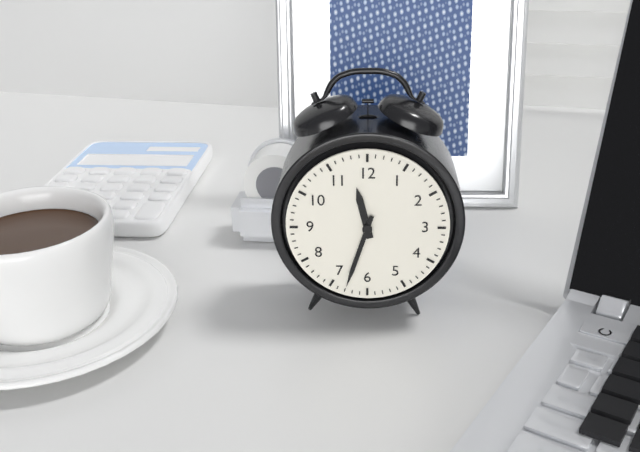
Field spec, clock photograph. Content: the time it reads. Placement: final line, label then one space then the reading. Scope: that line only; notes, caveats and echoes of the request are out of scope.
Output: 11:33
